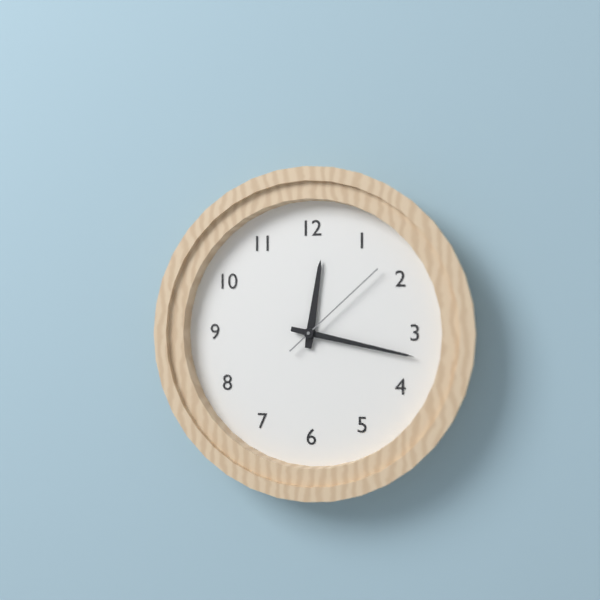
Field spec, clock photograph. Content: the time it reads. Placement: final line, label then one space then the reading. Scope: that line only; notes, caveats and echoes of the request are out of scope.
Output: 12:17:08
